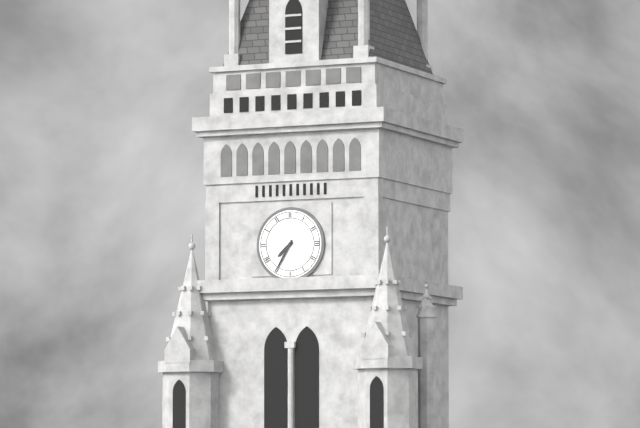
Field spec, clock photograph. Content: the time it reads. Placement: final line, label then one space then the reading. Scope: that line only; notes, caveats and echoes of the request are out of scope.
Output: 7:35
